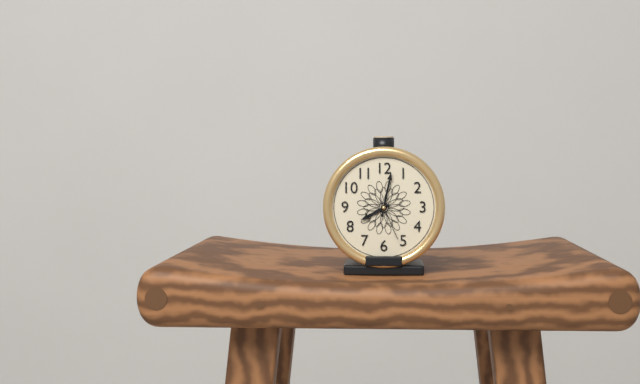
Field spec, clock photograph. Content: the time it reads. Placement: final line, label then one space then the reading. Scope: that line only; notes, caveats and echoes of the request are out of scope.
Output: 8:02
